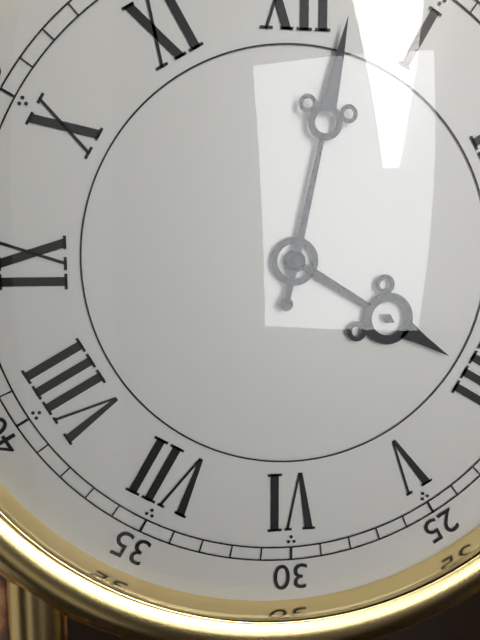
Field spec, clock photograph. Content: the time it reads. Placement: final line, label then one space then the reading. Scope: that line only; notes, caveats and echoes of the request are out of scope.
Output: 4:02
